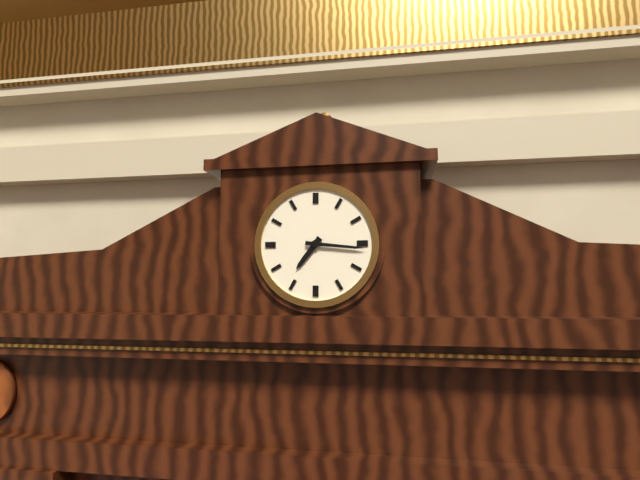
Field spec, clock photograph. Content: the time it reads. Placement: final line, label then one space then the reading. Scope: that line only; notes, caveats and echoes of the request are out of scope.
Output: 7:16
